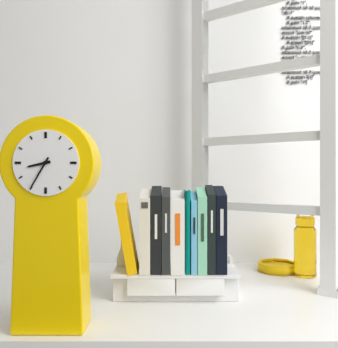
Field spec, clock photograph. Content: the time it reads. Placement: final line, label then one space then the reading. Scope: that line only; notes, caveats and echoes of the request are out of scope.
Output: 8:35
